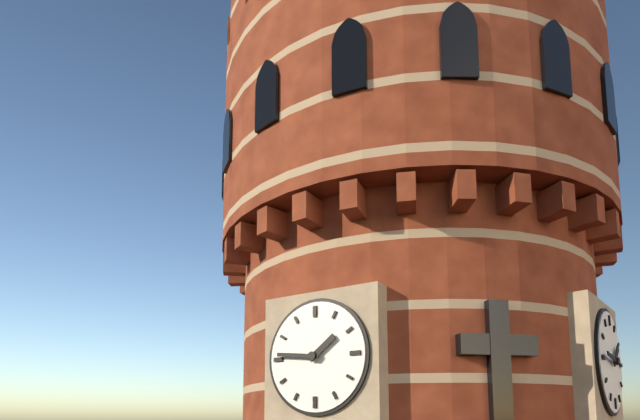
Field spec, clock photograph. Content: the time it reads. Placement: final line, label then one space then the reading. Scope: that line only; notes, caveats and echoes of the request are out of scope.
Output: 1:46
